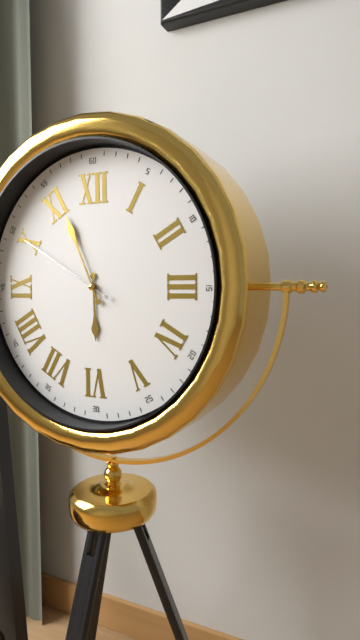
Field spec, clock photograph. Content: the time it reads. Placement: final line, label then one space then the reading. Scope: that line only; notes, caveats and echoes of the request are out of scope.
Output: 5:56:50
